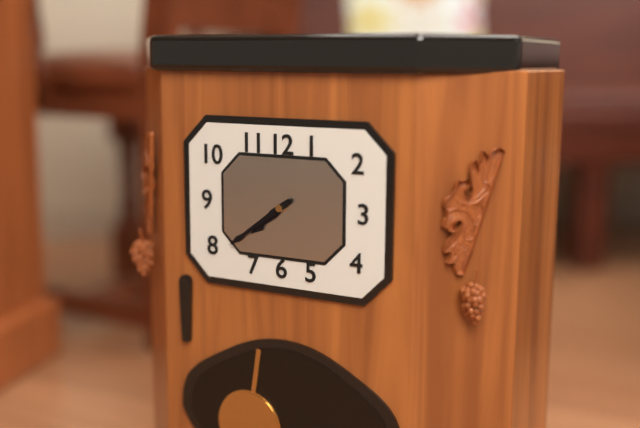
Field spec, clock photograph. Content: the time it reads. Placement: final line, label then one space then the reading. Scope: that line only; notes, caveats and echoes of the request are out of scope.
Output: 7:39
